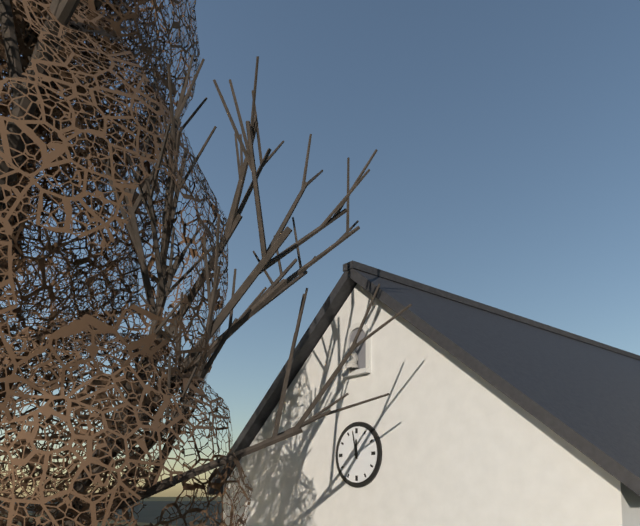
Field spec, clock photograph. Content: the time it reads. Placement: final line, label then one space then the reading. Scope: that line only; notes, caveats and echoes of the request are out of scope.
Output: 11:58
